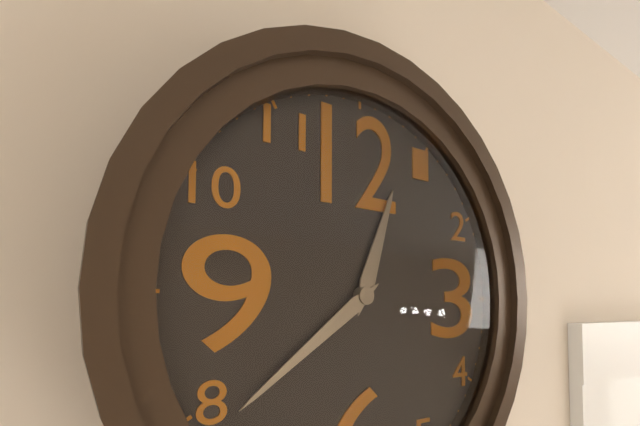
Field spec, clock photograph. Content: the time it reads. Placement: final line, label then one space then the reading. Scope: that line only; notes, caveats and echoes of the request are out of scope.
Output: 12:39
